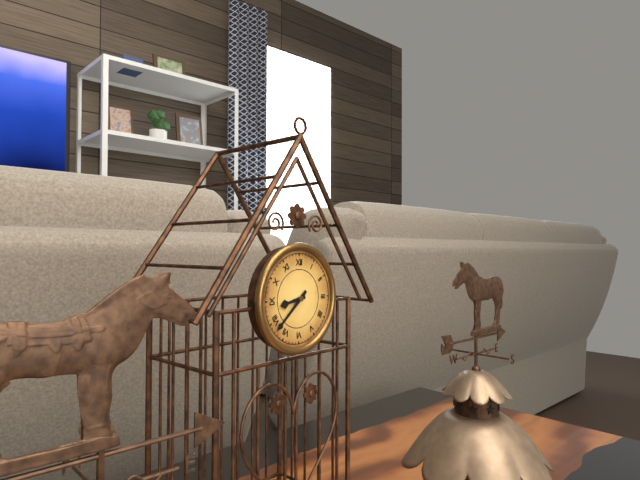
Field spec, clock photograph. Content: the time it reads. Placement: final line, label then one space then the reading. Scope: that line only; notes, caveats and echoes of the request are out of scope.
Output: 8:38
